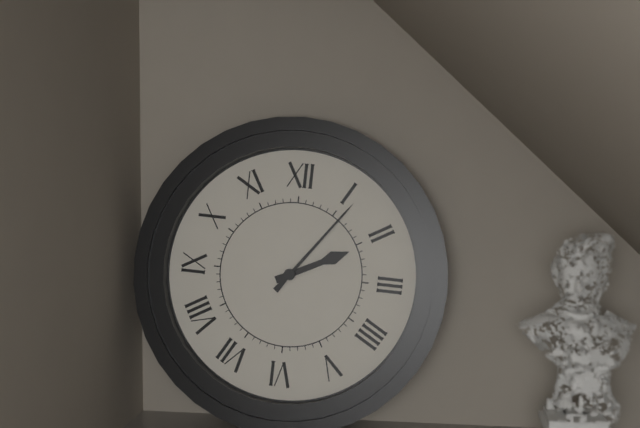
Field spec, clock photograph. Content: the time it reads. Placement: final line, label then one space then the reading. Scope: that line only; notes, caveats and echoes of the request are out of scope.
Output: 2:06
